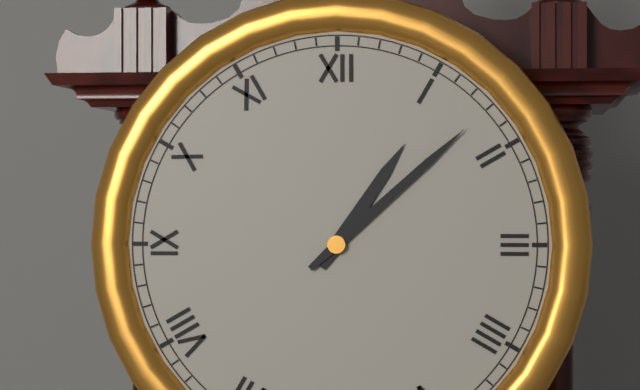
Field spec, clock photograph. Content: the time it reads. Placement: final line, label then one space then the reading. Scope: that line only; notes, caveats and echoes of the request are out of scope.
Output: 1:08
